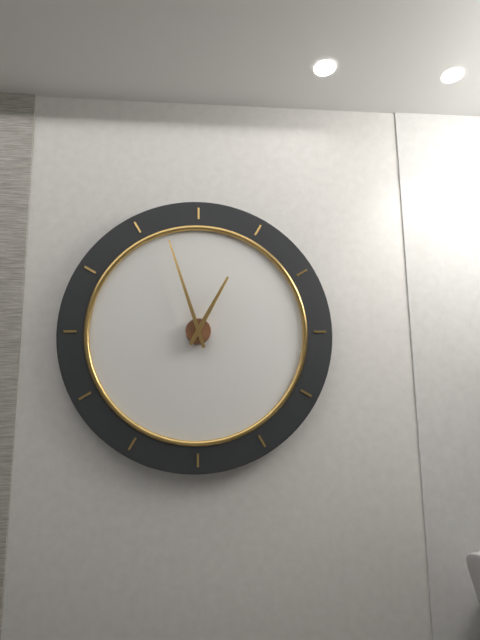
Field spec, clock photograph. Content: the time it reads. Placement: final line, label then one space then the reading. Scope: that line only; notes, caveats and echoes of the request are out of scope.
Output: 12:57
